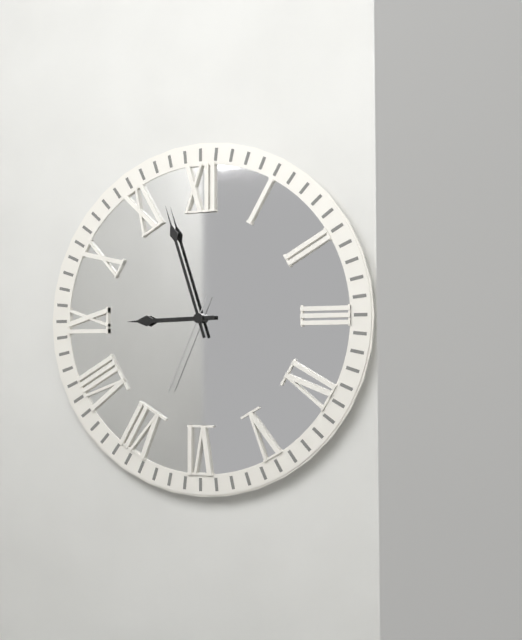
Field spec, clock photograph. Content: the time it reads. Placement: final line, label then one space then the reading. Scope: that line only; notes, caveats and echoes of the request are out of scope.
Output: 8:57:34
